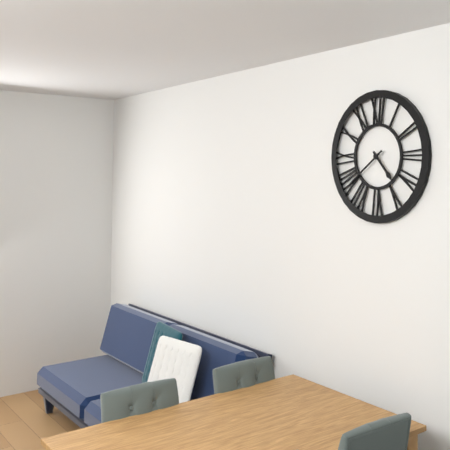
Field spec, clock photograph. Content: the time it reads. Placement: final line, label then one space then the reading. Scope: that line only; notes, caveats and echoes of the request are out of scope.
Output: 4:39
